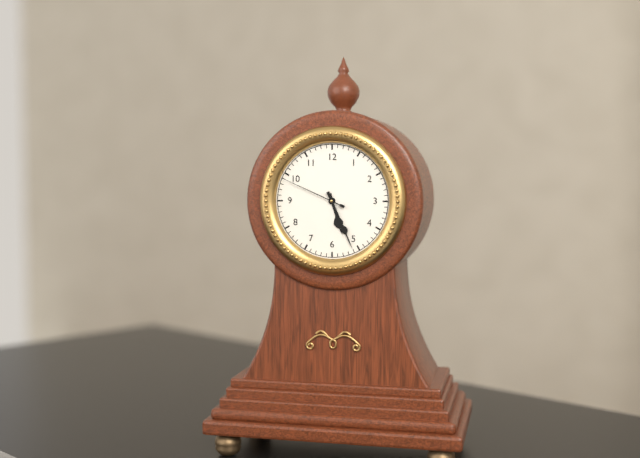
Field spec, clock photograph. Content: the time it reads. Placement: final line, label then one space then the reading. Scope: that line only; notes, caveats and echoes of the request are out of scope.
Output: 5:26:49
